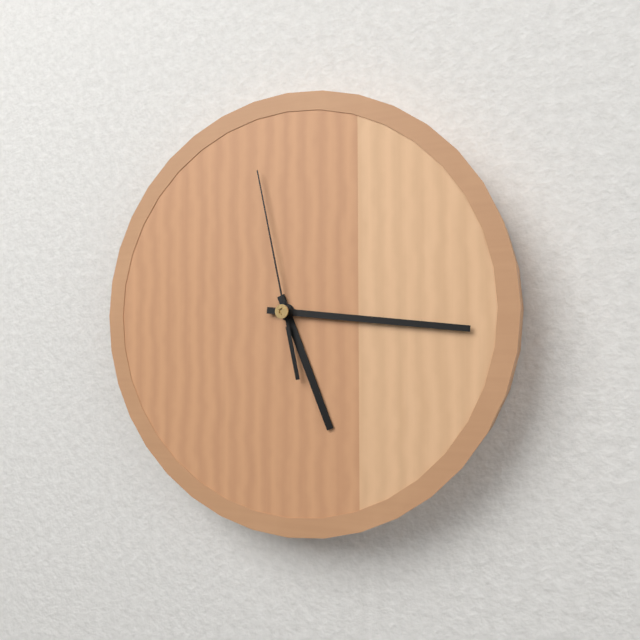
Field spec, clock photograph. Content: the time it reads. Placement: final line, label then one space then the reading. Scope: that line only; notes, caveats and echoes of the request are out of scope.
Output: 5:16:58
